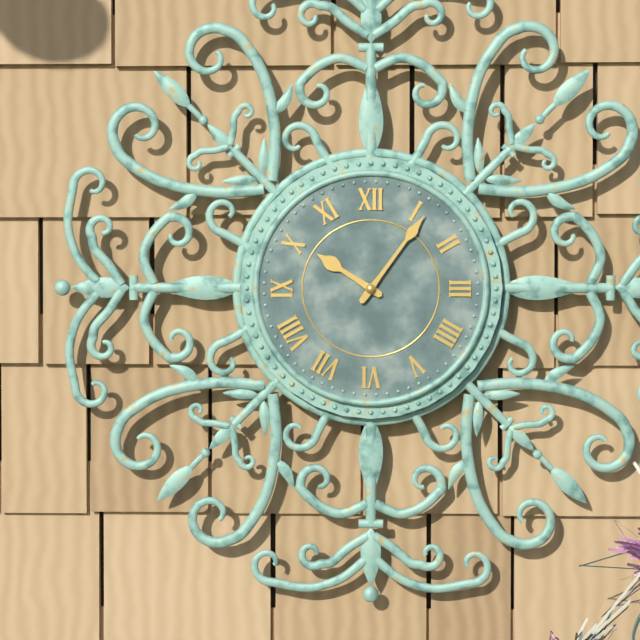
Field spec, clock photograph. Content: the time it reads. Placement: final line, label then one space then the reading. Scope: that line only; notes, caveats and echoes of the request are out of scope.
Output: 10:06
